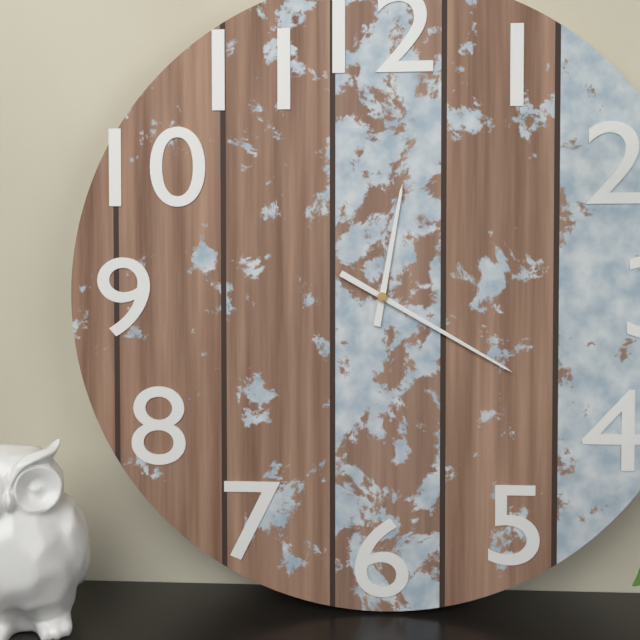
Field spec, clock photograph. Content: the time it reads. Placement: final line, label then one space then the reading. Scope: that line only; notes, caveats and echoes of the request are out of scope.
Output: 12:20
